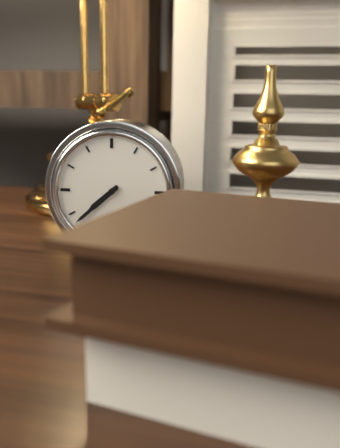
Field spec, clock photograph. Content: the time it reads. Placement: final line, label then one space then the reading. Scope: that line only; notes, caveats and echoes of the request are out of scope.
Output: 7:38
